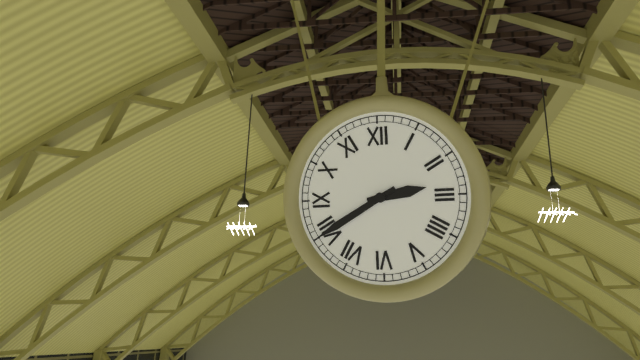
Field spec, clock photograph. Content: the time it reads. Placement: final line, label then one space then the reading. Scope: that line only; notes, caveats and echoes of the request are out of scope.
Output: 2:40
